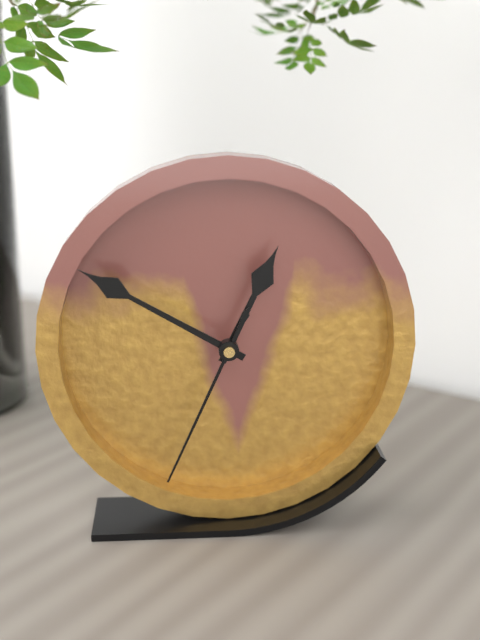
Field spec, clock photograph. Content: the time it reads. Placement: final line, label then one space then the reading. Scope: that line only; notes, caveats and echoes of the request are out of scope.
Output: 12:50:34
